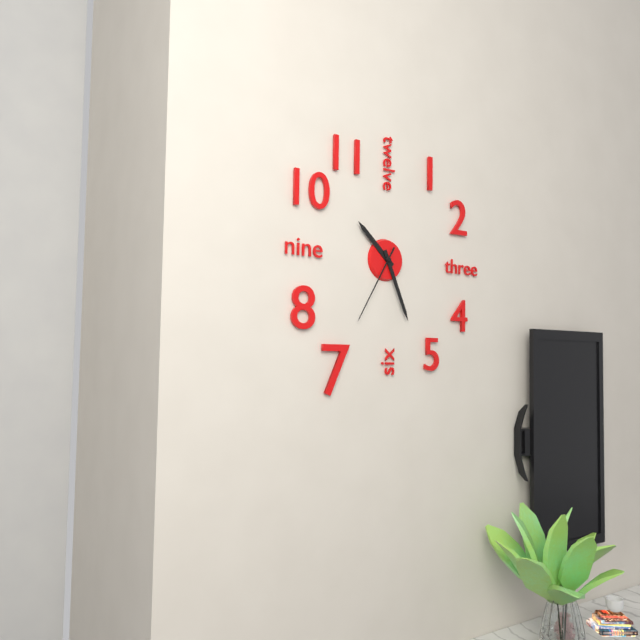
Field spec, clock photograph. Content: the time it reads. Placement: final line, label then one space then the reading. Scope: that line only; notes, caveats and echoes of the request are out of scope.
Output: 10:26:35
